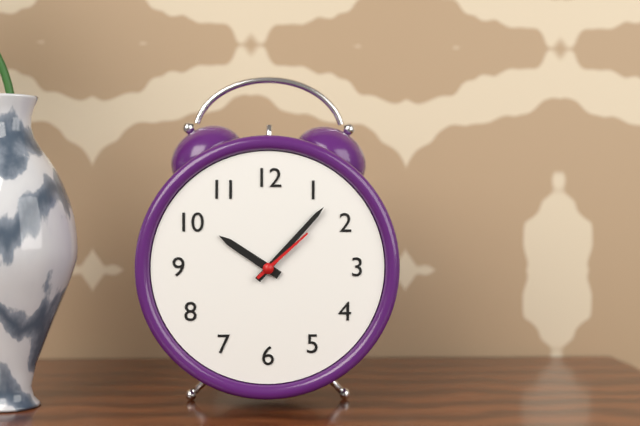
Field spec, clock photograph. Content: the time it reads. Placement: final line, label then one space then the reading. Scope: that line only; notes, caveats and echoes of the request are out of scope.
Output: 10:07:08
